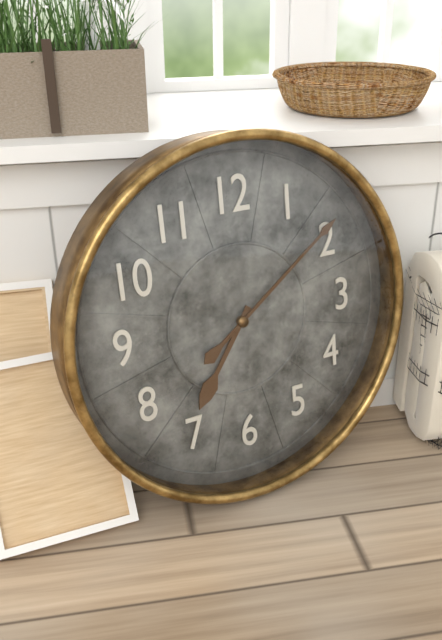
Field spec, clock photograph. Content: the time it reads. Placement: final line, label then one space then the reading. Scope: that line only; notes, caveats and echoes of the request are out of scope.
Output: 7:09
